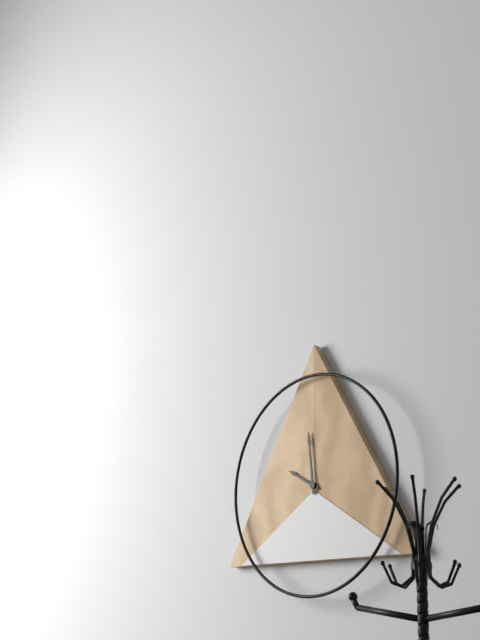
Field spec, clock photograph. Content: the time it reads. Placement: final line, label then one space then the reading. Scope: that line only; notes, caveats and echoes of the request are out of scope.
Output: 9:59
